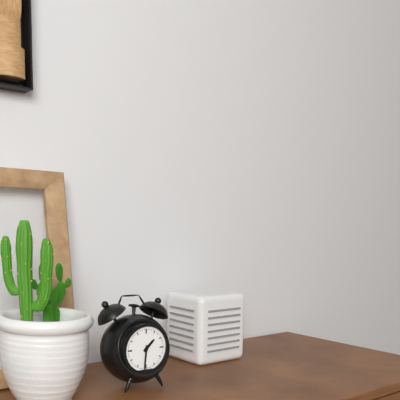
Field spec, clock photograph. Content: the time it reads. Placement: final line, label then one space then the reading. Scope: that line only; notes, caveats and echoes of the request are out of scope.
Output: 1:31
